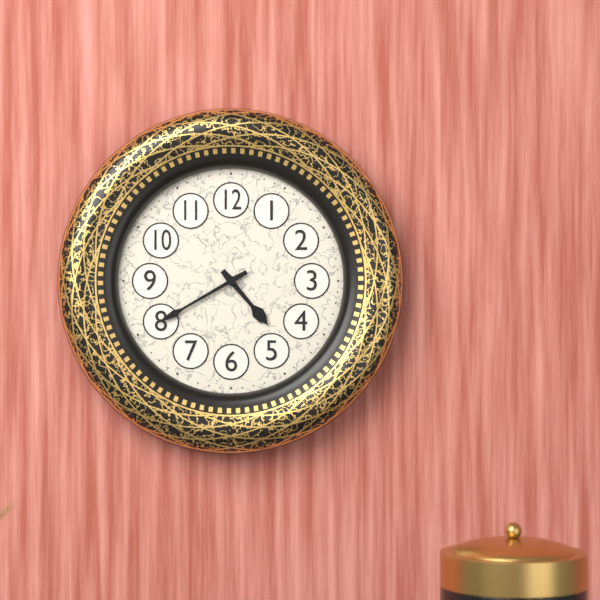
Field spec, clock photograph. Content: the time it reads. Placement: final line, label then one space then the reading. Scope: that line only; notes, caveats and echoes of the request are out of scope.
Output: 4:40
